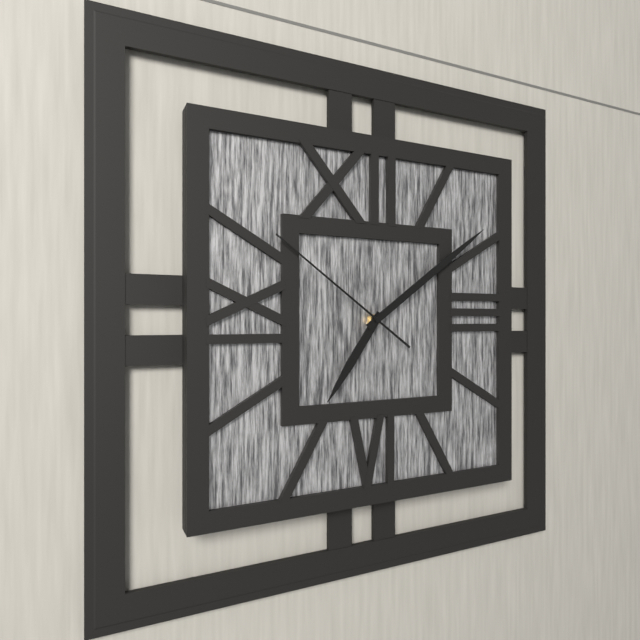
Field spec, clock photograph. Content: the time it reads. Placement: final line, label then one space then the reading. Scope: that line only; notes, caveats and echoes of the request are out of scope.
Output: 7:09:51
